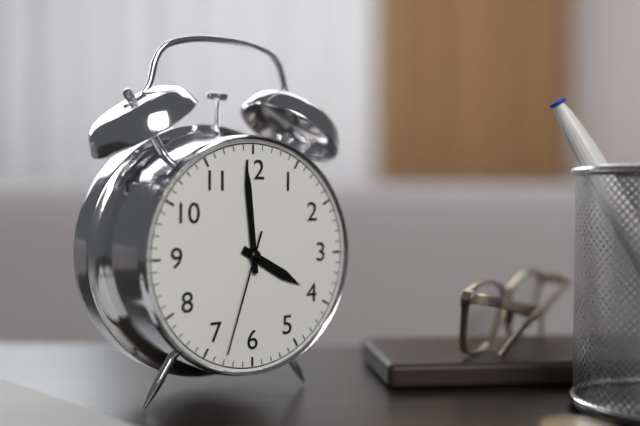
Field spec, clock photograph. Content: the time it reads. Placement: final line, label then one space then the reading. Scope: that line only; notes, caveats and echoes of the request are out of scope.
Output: 3:59:33
